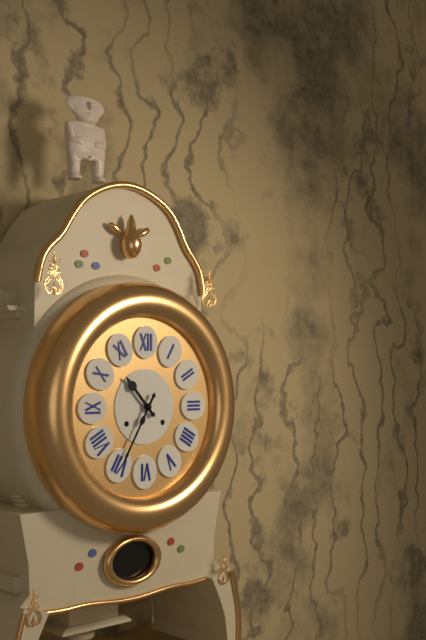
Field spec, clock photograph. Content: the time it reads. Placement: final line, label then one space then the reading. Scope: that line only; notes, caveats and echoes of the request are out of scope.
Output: 10:35
